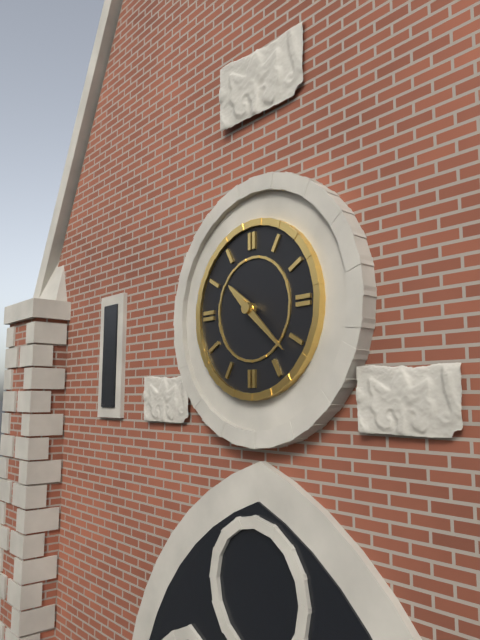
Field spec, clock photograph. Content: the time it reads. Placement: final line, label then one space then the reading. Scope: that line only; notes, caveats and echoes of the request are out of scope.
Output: 10:22
